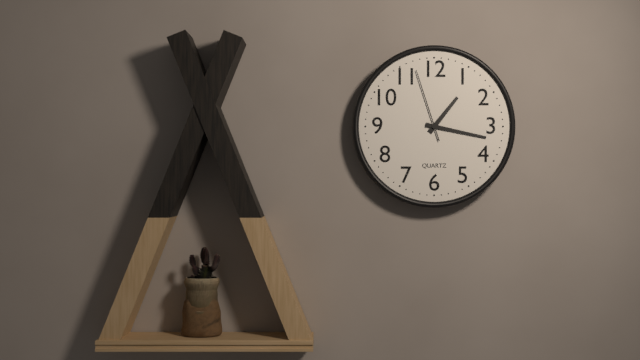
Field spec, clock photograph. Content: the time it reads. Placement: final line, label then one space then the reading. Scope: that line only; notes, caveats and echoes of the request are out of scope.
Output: 1:17:57
